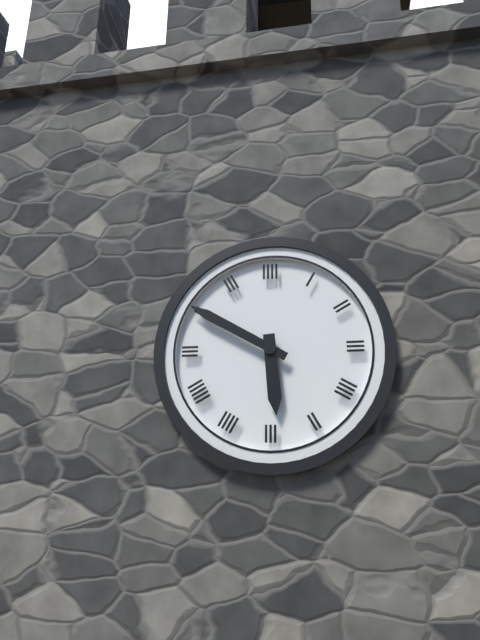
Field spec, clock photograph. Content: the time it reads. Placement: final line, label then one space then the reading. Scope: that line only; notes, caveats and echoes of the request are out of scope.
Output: 5:50
